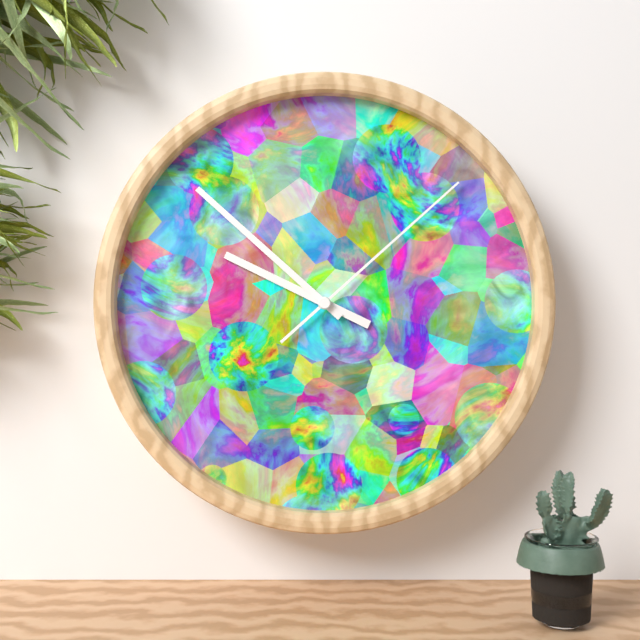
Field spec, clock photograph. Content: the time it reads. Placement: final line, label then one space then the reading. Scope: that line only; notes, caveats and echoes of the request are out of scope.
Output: 9:52:08
